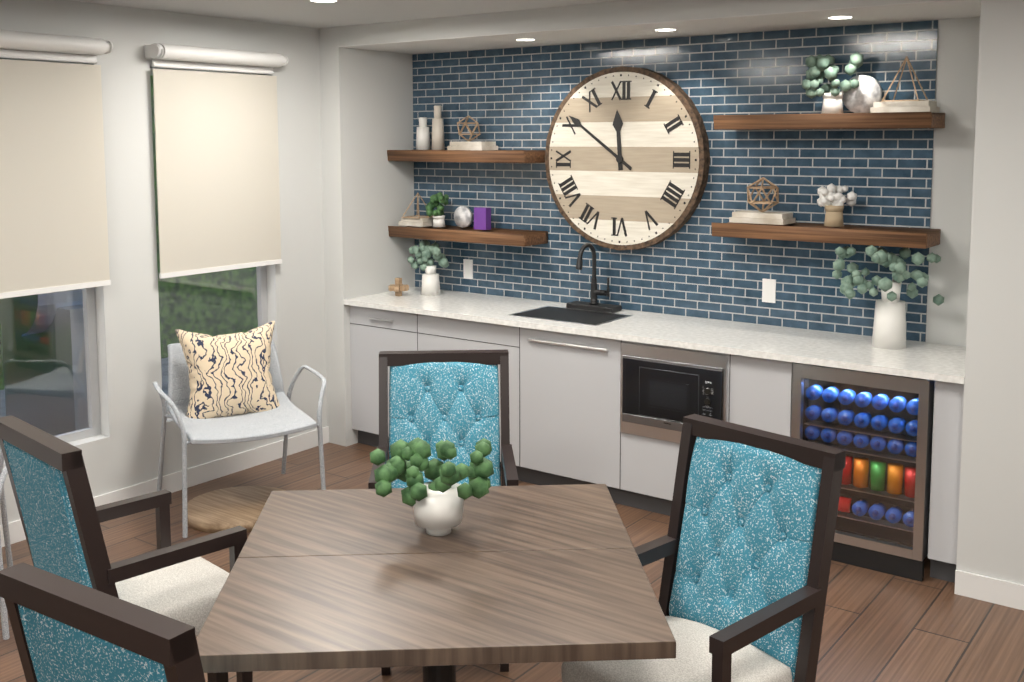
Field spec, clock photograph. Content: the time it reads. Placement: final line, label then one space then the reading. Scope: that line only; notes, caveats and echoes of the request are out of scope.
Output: 11:51
